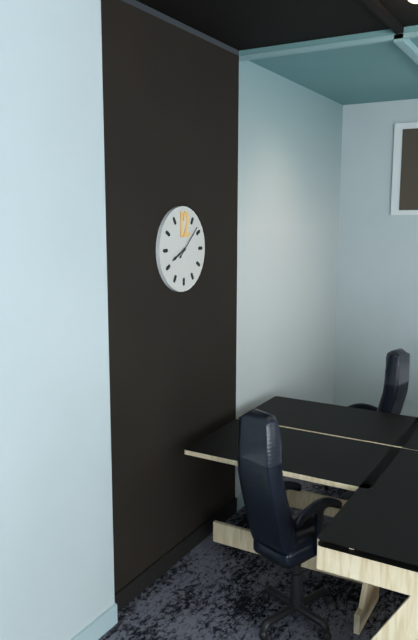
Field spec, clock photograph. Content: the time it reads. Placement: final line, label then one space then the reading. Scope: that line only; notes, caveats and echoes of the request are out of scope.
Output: 8:08
